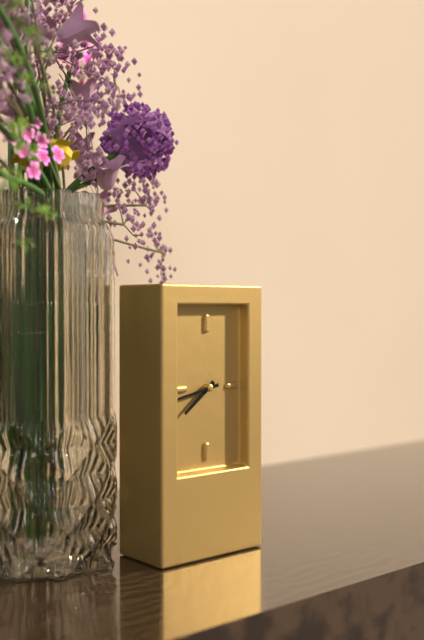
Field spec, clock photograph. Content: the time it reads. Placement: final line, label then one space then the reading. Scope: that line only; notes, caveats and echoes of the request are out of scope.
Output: 7:43
